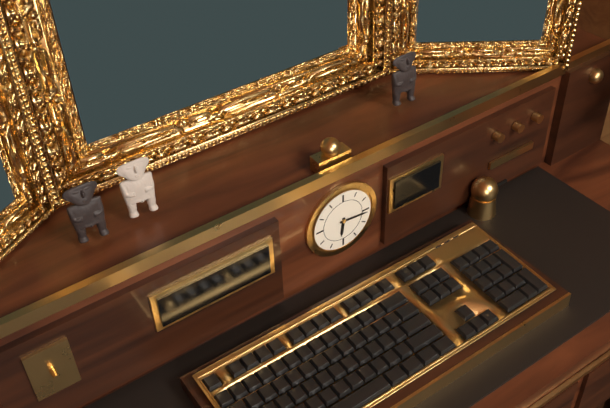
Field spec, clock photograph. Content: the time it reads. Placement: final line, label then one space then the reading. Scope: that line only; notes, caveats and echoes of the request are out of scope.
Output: 6:16
